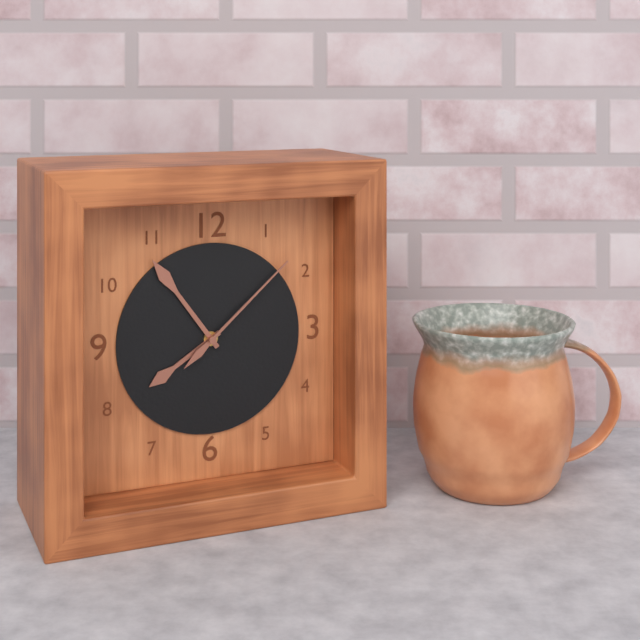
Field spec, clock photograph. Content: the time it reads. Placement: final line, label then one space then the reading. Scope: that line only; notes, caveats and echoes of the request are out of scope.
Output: 7:54:08
